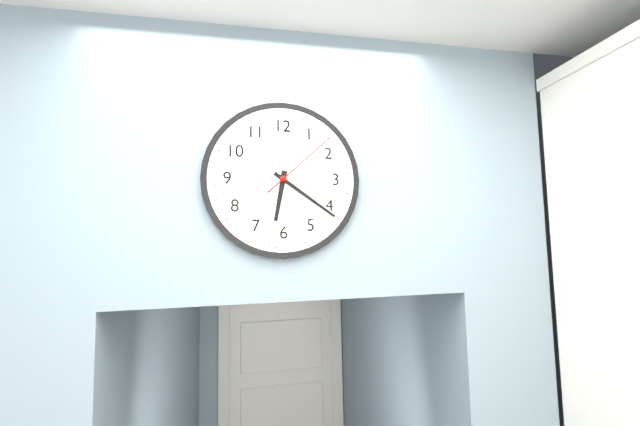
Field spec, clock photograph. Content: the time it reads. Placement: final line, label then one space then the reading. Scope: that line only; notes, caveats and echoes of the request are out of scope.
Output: 6:21:08
